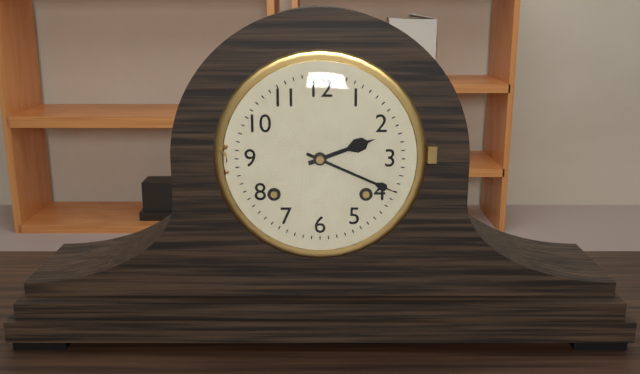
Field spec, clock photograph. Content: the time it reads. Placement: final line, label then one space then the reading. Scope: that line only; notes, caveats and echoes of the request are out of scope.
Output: 2:19
